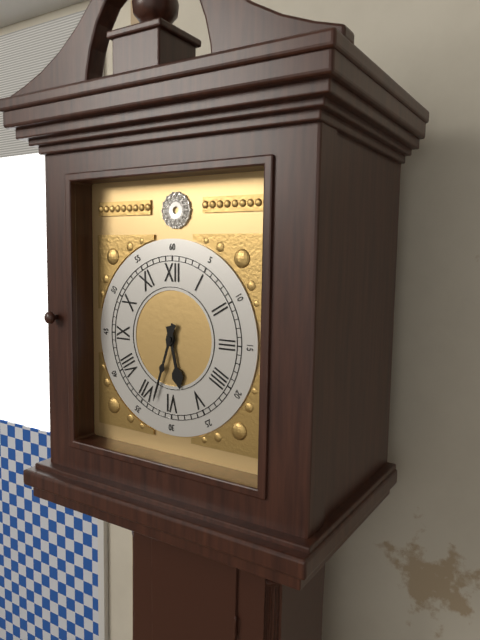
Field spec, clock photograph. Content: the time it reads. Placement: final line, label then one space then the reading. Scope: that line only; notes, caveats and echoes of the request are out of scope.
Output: 5:33
